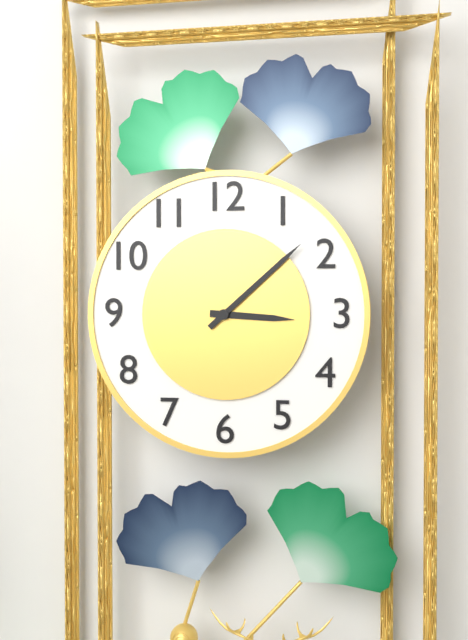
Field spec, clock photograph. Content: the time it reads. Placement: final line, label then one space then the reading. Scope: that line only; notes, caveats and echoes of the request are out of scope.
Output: 3:08
